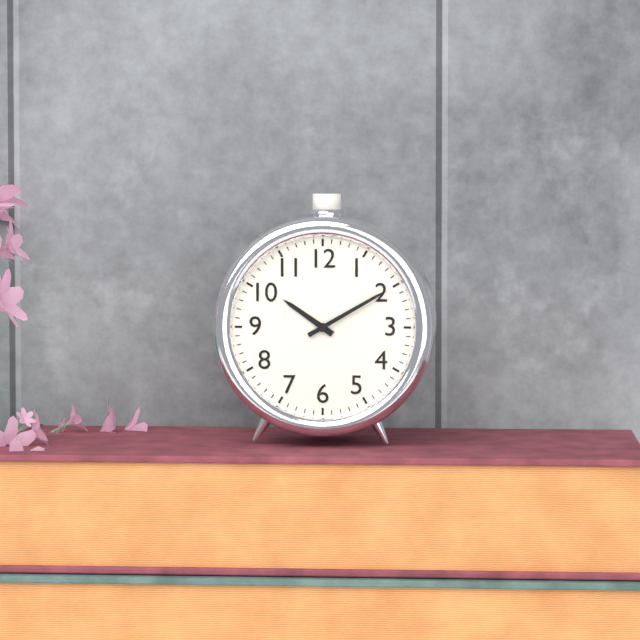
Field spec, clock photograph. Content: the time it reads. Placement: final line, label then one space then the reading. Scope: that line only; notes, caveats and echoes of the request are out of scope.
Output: 10:10
